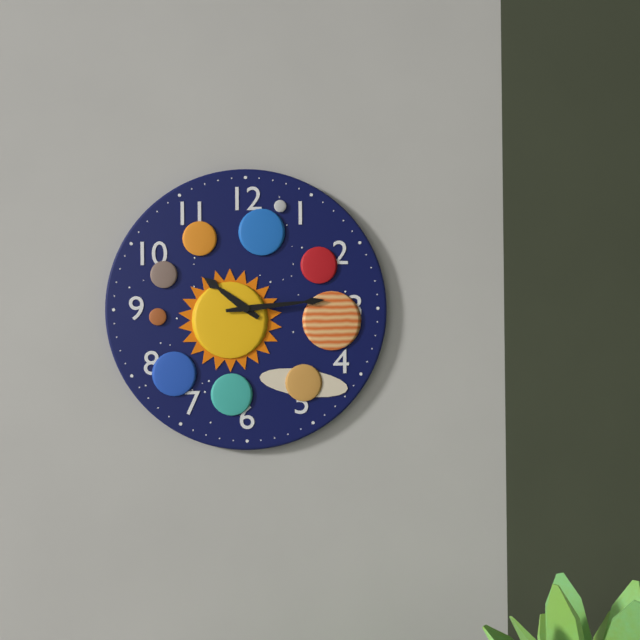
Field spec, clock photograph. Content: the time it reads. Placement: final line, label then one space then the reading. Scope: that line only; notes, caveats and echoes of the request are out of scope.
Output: 10:14
